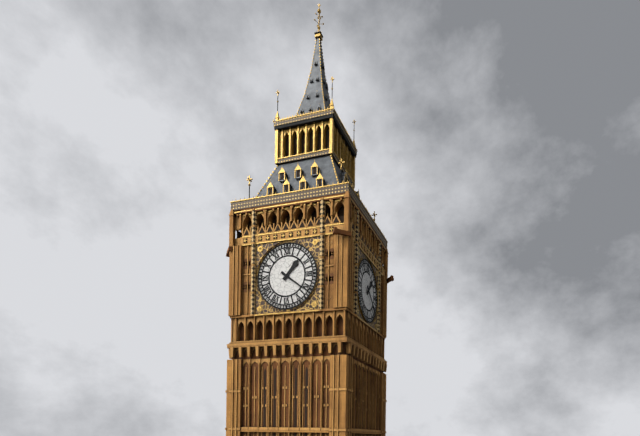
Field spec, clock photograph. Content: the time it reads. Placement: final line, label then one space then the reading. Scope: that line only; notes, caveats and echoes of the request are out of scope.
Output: 1:21
